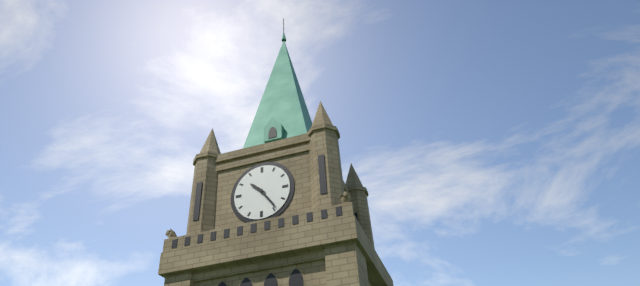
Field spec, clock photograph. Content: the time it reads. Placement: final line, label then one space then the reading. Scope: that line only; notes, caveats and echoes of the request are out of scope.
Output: 10:24
